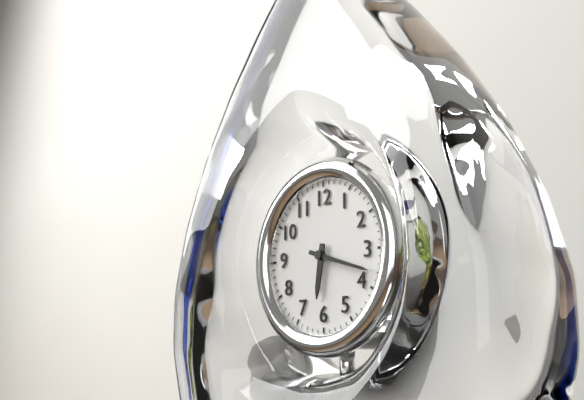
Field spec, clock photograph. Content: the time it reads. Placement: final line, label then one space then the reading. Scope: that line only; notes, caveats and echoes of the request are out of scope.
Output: 6:18
